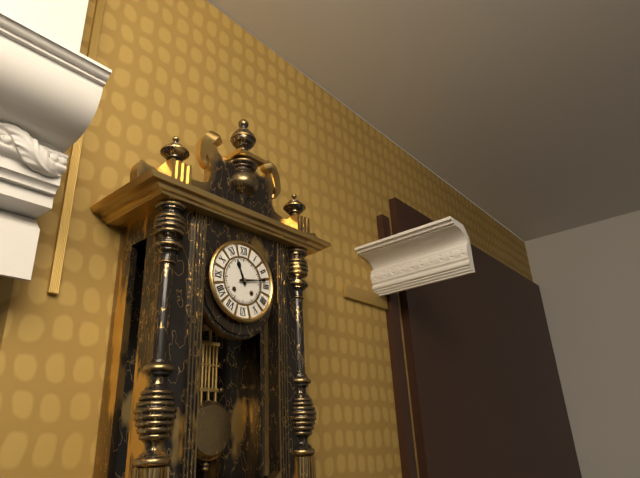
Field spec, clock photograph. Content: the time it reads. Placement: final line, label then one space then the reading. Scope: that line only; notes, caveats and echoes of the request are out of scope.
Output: 11:13
